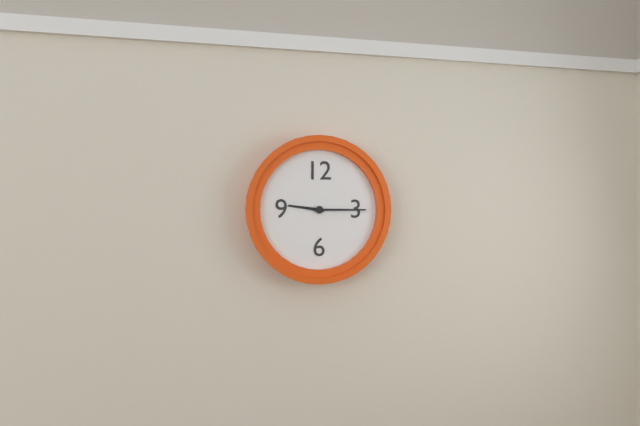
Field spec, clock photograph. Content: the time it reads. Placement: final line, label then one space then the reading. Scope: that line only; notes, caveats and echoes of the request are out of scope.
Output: 9:15
